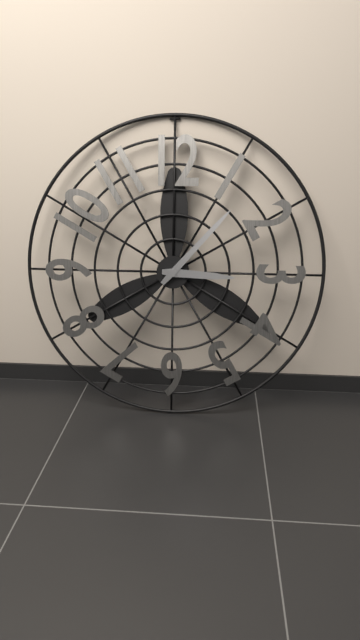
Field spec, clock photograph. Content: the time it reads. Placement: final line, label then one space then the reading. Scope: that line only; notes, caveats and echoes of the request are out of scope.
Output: 3:07
